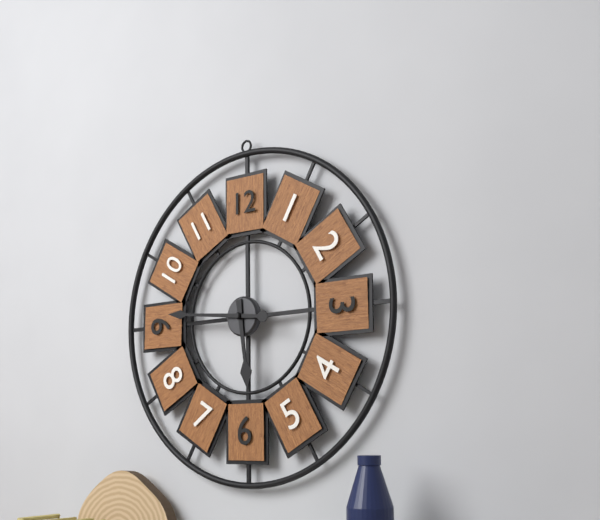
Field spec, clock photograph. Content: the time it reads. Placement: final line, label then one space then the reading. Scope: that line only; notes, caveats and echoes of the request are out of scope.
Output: 5:46
